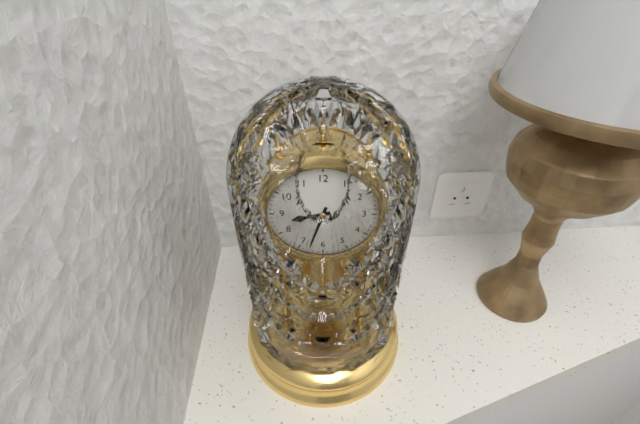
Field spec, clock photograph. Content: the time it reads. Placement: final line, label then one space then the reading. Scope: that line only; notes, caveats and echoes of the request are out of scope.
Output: 8:33
